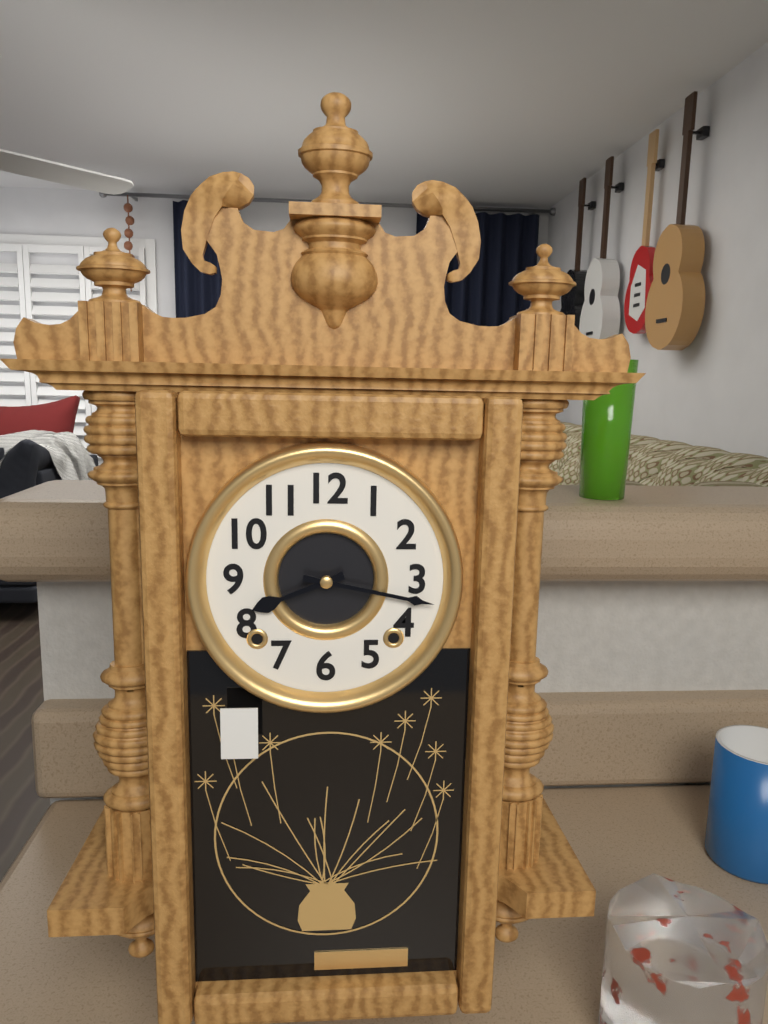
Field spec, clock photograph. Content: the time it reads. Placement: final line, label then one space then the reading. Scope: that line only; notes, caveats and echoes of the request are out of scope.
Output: 8:17
